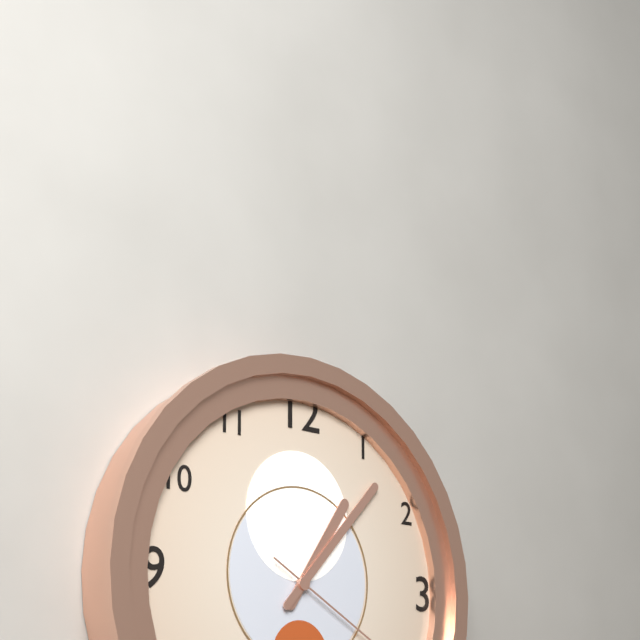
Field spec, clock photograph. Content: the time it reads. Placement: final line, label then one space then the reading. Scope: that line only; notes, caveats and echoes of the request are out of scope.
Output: 1:07
